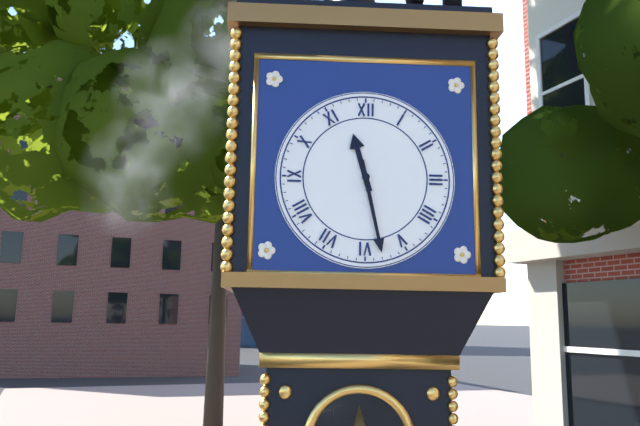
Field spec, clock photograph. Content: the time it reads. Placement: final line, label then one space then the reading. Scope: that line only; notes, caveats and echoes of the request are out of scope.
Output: 11:28
